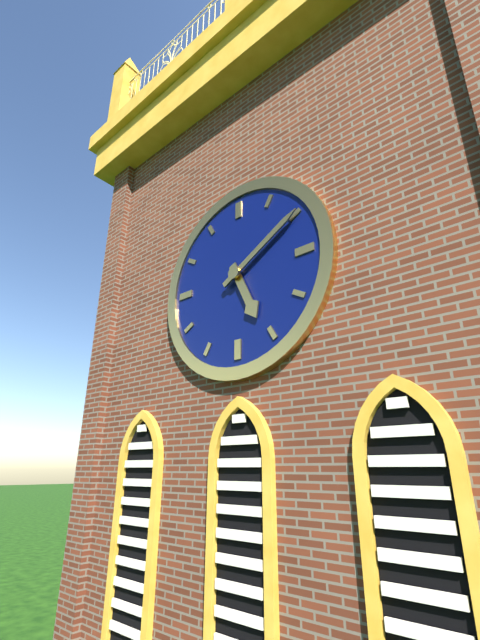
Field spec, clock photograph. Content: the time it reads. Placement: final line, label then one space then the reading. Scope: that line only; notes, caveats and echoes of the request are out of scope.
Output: 5:10
